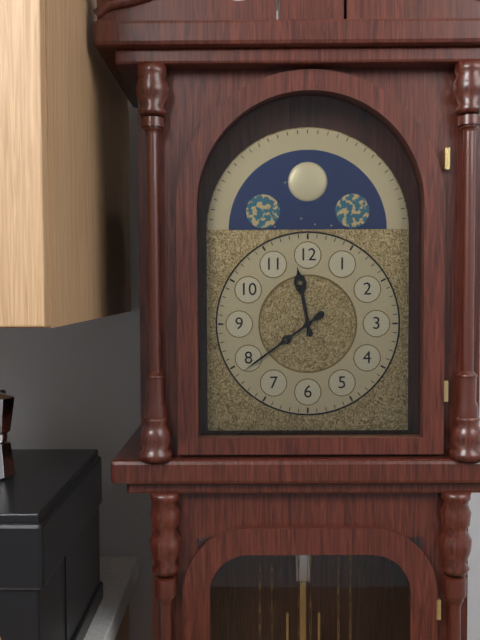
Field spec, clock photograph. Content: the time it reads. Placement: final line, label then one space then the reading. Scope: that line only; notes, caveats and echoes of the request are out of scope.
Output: 11:39
